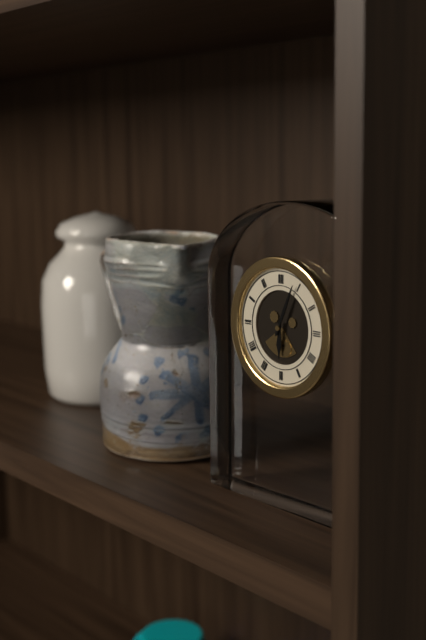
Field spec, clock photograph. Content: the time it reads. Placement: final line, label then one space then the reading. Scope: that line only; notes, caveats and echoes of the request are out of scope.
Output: 6:04
